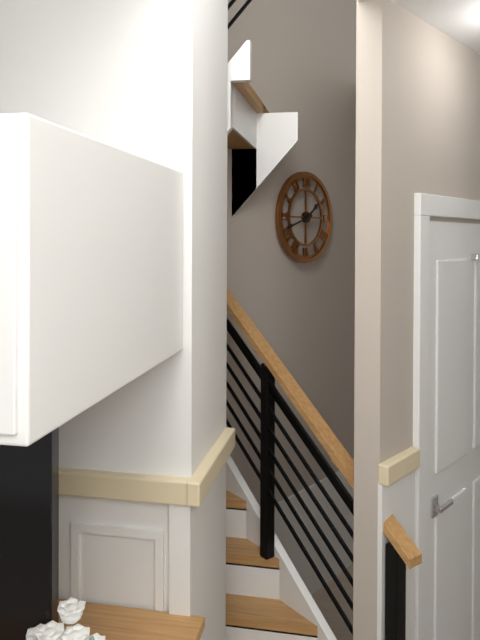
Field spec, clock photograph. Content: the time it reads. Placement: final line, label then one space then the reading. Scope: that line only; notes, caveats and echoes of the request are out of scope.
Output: 1:42
